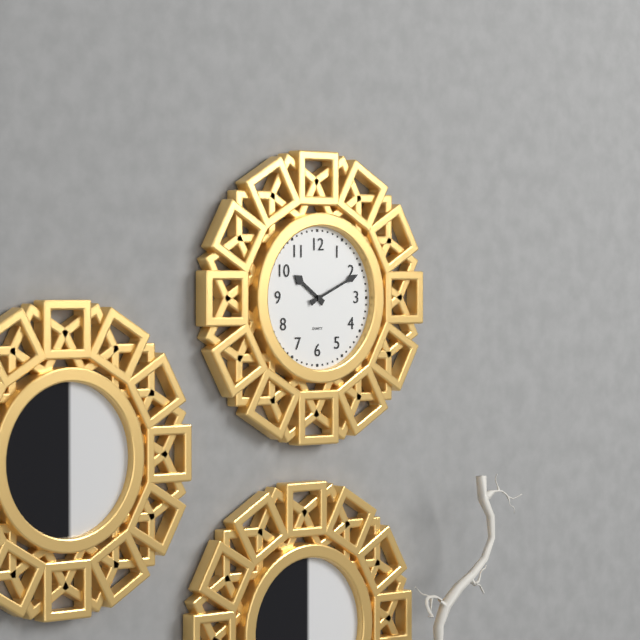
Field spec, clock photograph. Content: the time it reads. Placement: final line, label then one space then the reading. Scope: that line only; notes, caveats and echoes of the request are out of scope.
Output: 10:11
